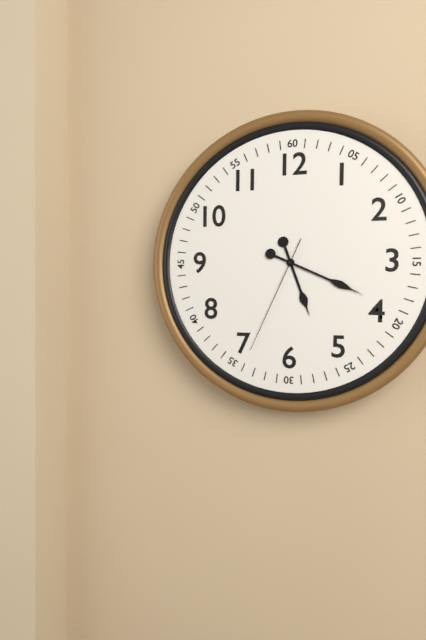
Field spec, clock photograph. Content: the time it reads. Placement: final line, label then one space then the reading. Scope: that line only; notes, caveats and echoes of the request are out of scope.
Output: 5:19:34
